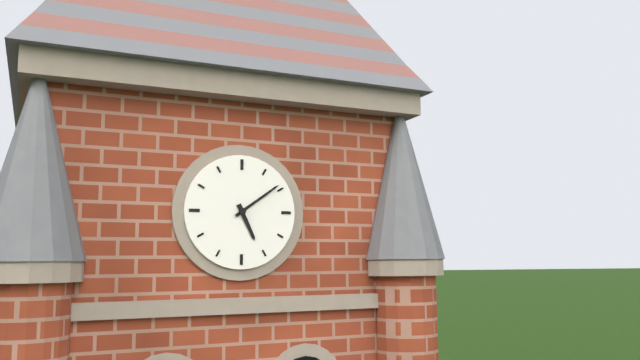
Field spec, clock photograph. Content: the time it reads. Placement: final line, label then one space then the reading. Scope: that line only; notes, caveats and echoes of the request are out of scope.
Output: 5:09
